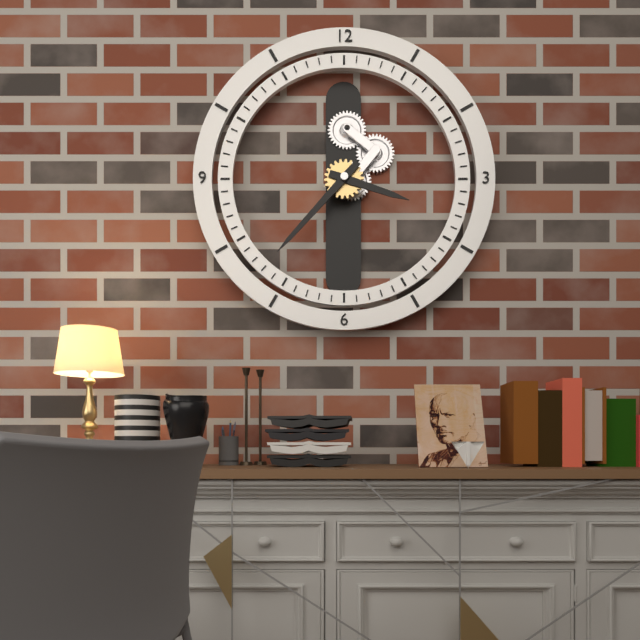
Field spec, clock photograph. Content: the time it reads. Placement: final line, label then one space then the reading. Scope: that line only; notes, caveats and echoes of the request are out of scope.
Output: 3:37
